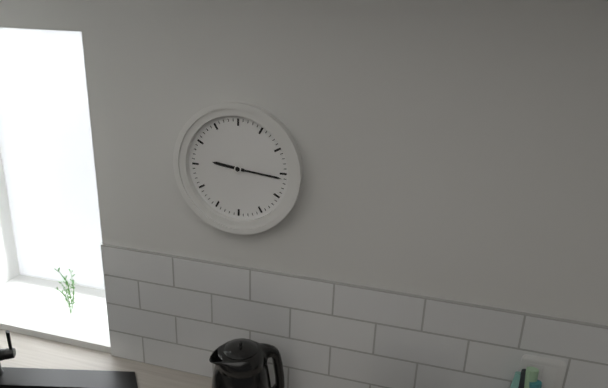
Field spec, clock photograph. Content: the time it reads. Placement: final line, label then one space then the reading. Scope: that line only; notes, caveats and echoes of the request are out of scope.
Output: 9:16
